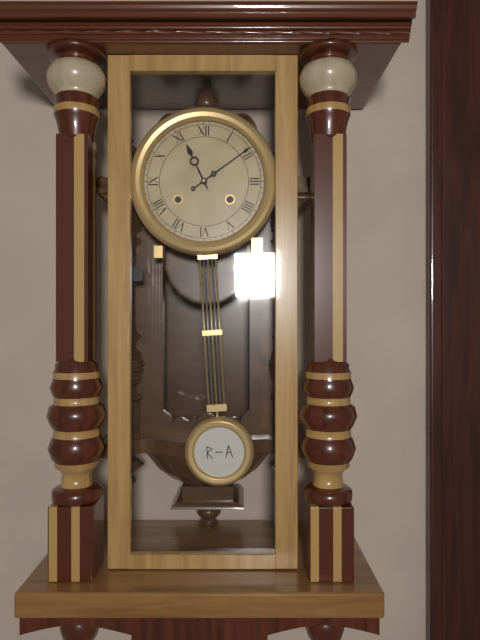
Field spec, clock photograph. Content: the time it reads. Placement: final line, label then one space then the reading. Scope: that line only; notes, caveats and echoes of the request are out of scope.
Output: 11:09
